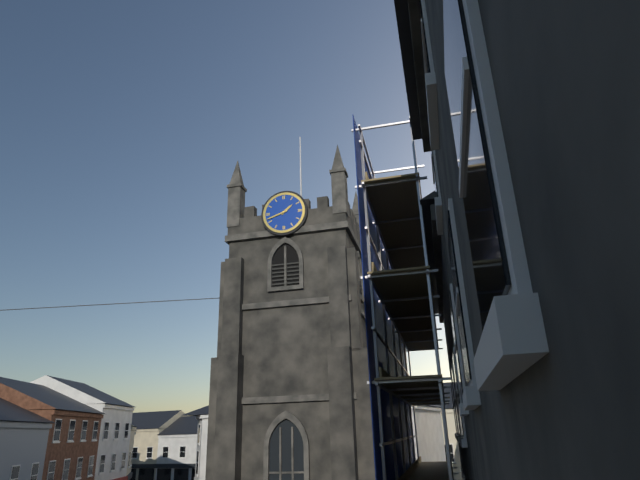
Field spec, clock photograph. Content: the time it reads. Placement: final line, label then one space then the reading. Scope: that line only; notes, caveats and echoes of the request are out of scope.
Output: 1:42
